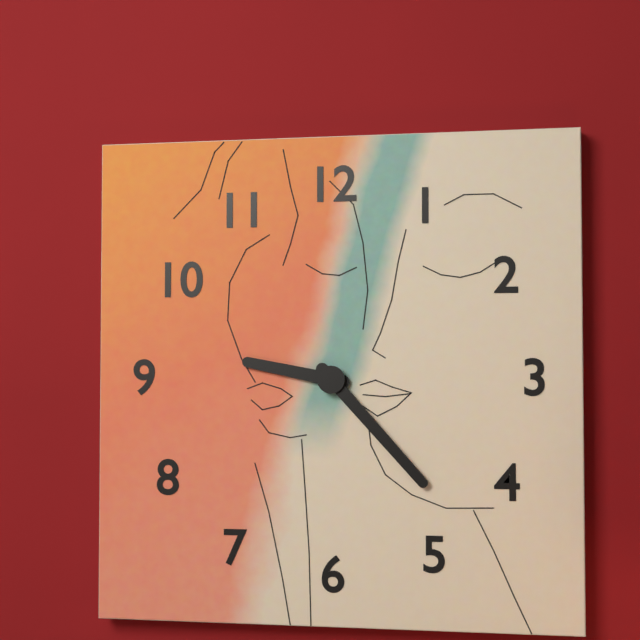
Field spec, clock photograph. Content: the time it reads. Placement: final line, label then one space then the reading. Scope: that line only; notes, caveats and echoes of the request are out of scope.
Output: 9:23
